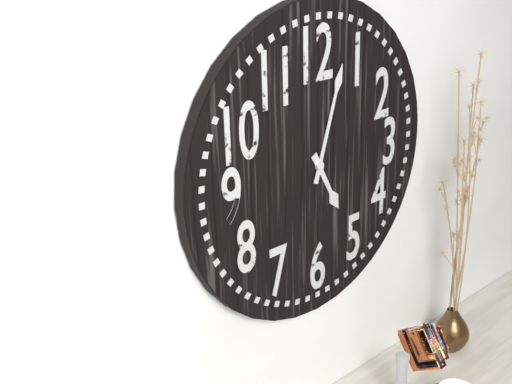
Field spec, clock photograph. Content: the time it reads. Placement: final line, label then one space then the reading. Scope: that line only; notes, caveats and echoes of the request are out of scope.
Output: 5:03
